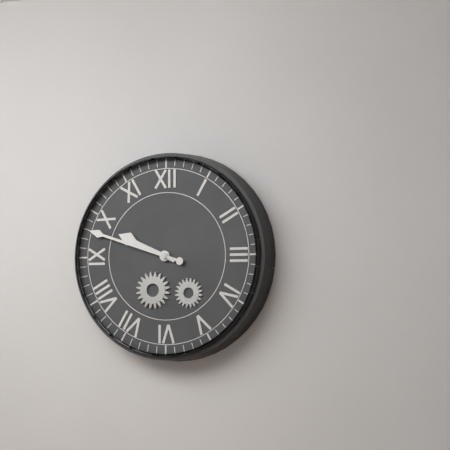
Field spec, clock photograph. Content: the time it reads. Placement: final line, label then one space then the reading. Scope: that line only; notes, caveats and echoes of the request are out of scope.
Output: 9:48
